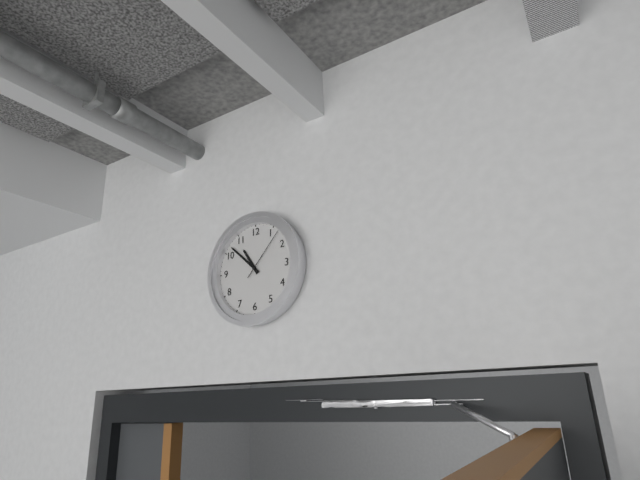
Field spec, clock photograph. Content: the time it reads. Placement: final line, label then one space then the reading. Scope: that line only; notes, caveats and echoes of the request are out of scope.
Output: 10:52:07
